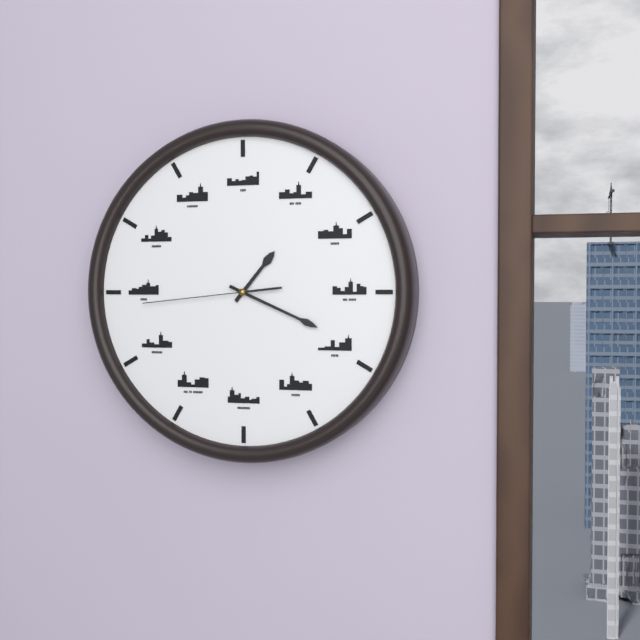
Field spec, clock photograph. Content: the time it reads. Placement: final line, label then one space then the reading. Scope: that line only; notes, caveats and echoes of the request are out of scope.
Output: 1:19:44
